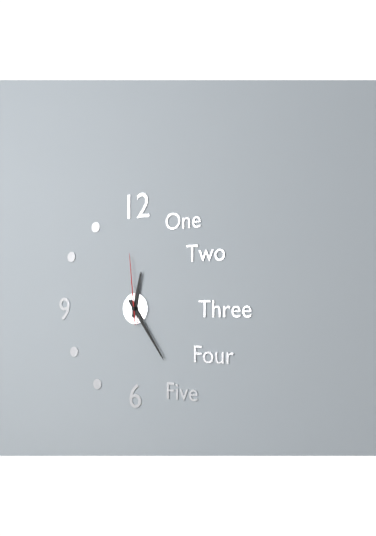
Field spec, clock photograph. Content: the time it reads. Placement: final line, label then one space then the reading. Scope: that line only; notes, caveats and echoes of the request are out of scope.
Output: 12:24:59
